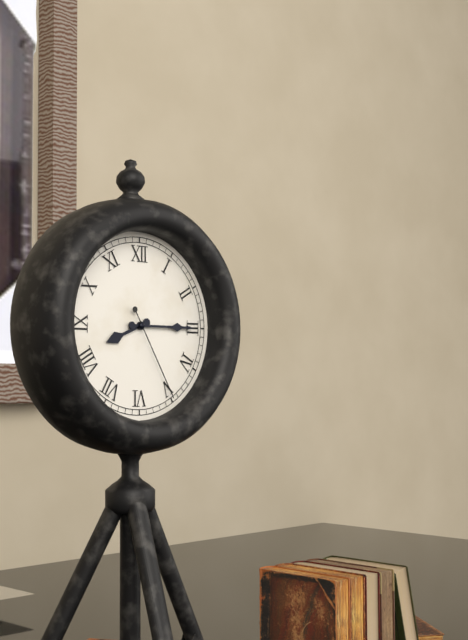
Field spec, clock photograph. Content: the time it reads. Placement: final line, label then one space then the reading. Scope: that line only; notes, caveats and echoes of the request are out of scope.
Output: 8:15:25
